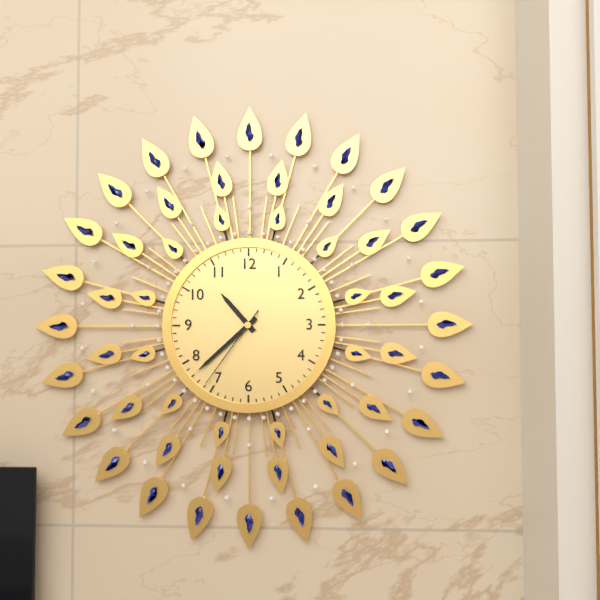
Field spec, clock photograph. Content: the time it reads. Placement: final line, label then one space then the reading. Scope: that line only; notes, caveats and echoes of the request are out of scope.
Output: 10:38:36
